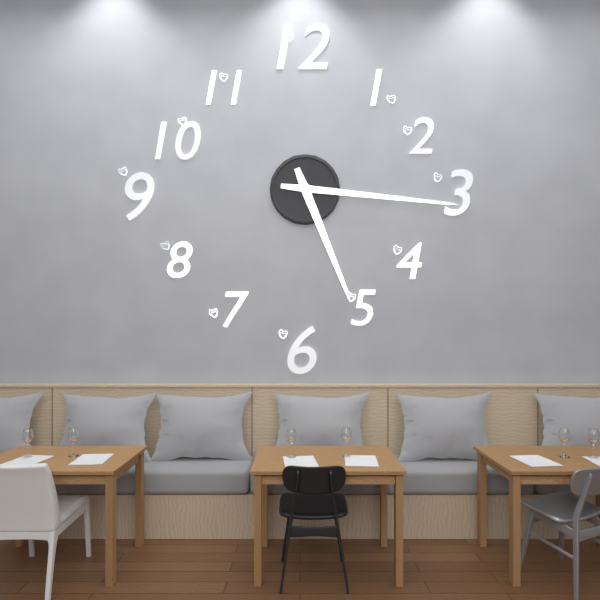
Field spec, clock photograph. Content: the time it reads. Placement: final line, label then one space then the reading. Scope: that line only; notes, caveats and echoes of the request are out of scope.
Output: 5:16
